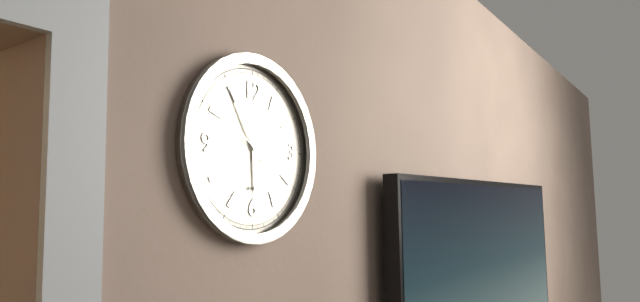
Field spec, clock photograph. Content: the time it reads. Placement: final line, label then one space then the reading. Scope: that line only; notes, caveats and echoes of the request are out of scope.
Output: 5:55:51
